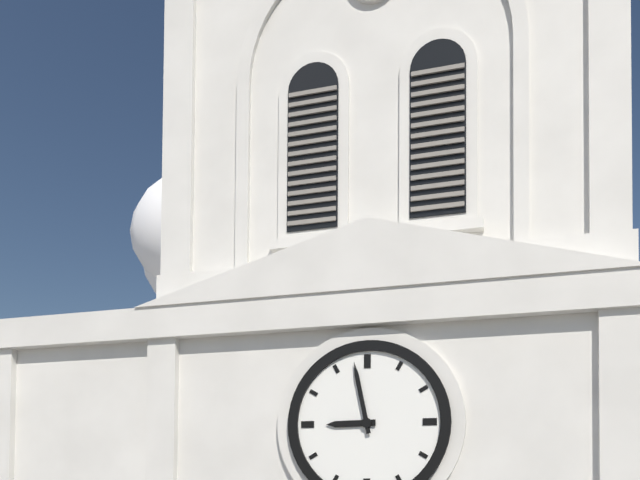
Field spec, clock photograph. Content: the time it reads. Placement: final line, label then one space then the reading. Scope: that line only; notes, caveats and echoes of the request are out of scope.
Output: 8:58
